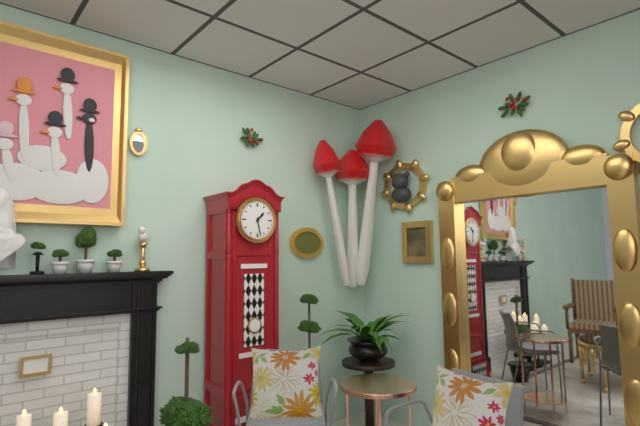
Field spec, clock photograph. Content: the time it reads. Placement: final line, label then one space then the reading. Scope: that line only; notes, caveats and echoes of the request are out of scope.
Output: 1:28
